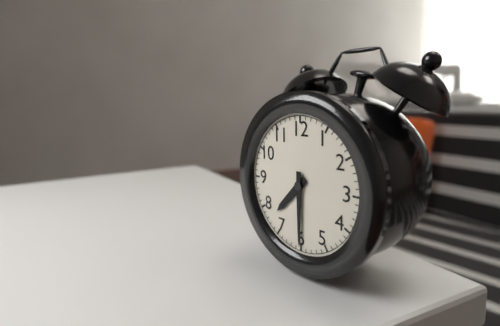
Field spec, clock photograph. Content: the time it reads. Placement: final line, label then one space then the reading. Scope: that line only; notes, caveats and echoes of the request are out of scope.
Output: 7:30
